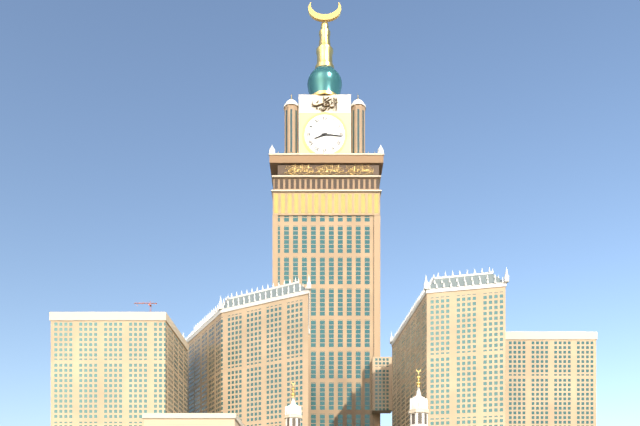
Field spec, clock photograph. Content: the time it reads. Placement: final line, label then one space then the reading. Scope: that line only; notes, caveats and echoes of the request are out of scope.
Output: 8:16
